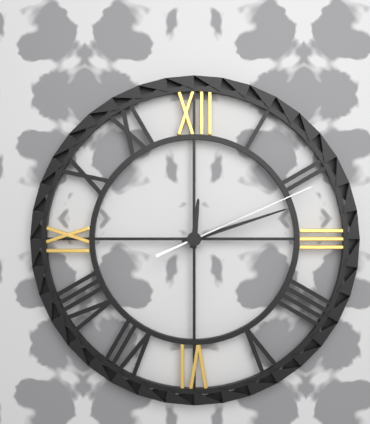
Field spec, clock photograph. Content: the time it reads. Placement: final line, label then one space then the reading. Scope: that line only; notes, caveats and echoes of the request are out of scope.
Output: 12:12:11
